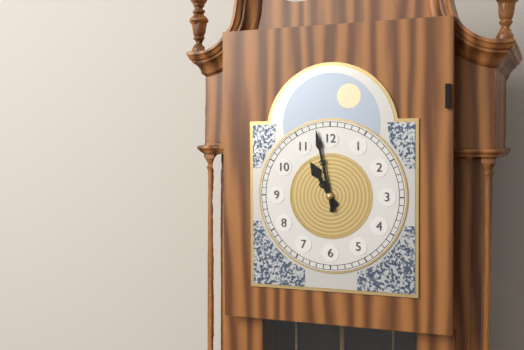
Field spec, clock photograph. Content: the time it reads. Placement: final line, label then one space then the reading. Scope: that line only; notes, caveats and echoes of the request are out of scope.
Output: 10:58
